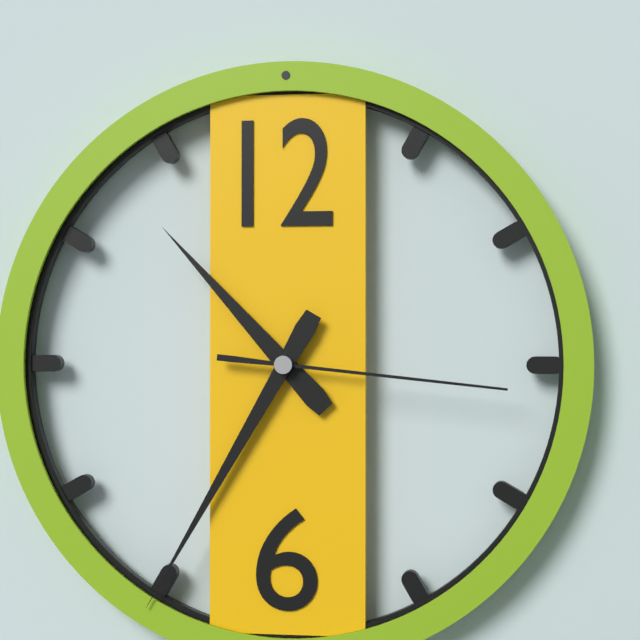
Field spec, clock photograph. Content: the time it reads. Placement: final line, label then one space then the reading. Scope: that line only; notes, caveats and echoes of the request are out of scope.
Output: 10:35:16
